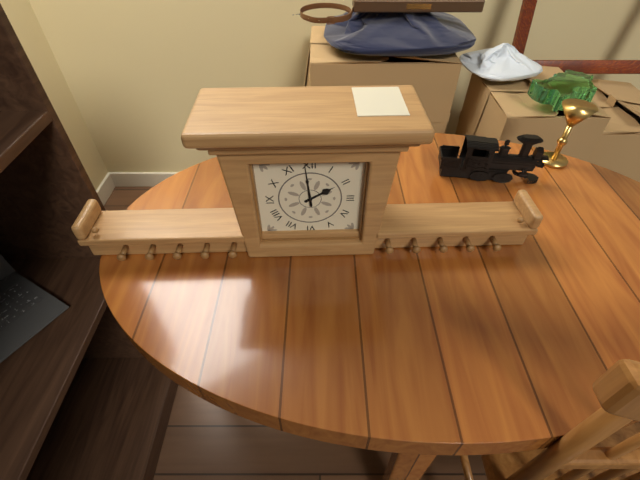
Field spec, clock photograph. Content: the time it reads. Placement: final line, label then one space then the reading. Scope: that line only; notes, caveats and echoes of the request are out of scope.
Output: 1:59
